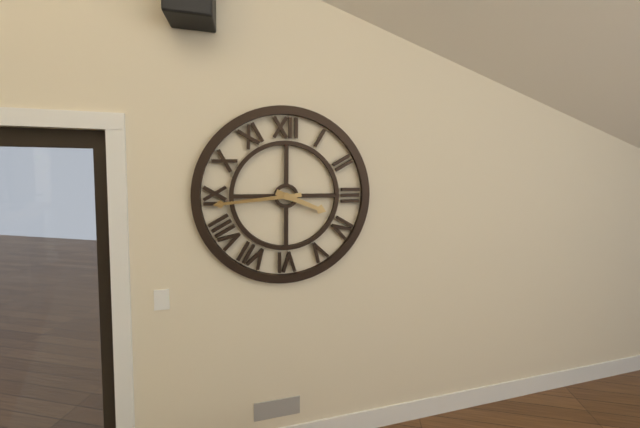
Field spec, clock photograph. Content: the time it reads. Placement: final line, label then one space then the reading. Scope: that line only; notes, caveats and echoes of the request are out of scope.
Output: 3:44
